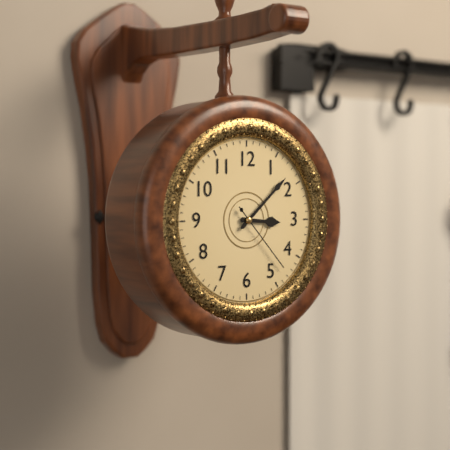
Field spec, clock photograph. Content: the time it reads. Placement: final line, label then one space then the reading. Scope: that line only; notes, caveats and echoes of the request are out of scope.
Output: 3:08:23
